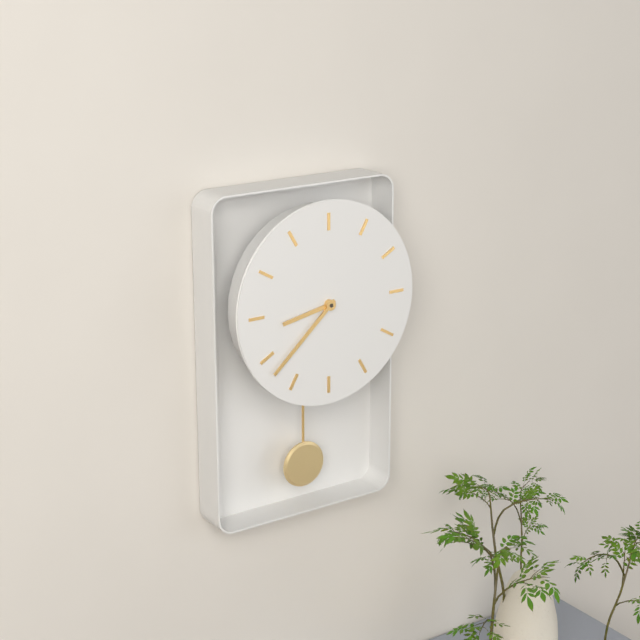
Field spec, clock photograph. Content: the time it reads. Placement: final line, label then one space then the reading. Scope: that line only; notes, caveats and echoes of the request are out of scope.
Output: 8:38
